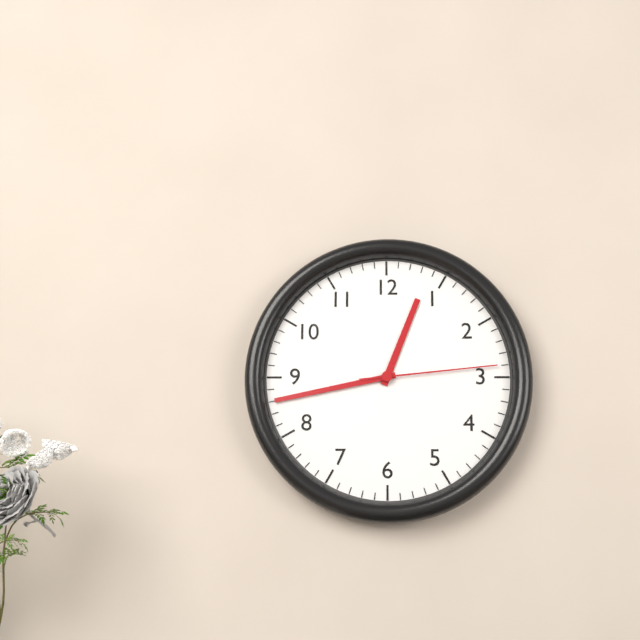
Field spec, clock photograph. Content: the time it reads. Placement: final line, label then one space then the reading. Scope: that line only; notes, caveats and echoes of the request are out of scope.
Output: 12:43:14
